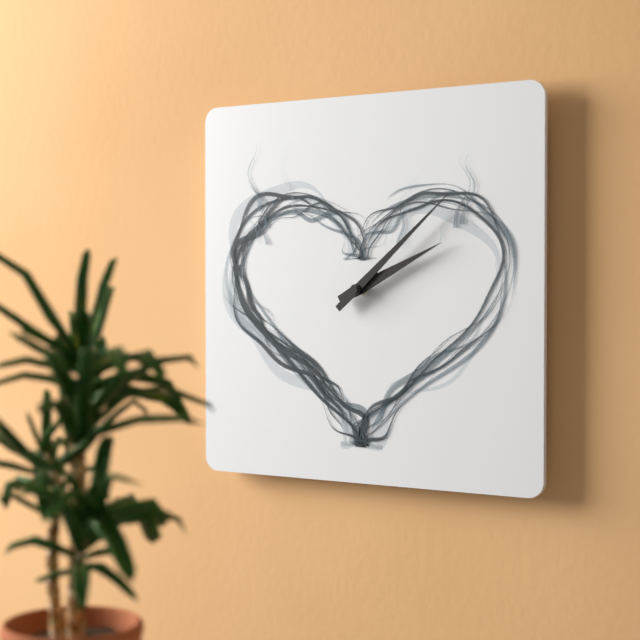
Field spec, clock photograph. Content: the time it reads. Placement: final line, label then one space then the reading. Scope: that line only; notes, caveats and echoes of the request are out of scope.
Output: 2:08
